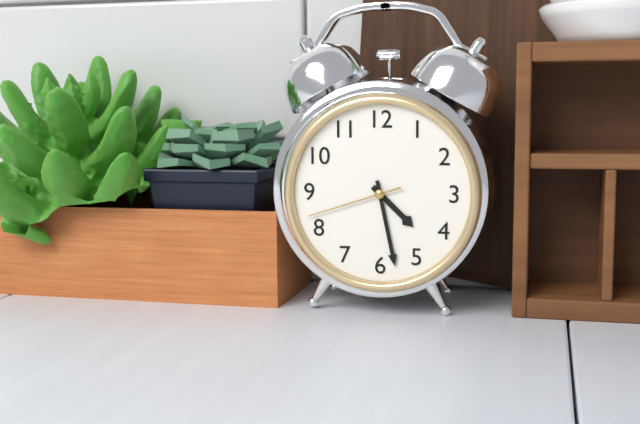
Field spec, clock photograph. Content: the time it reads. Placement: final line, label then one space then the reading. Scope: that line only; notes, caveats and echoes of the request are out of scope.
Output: 4:28:42
